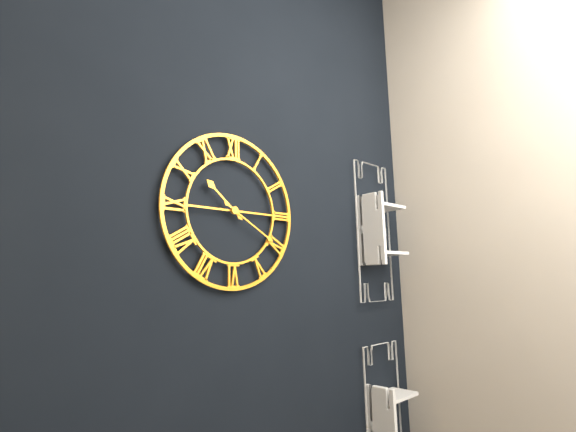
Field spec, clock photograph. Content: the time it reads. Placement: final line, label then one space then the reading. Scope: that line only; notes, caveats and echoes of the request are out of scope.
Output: 10:20
